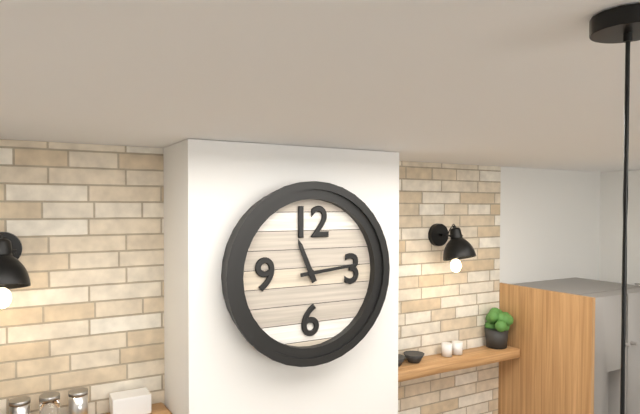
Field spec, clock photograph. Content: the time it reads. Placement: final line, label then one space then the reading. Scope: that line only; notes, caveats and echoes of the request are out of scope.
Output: 11:14
